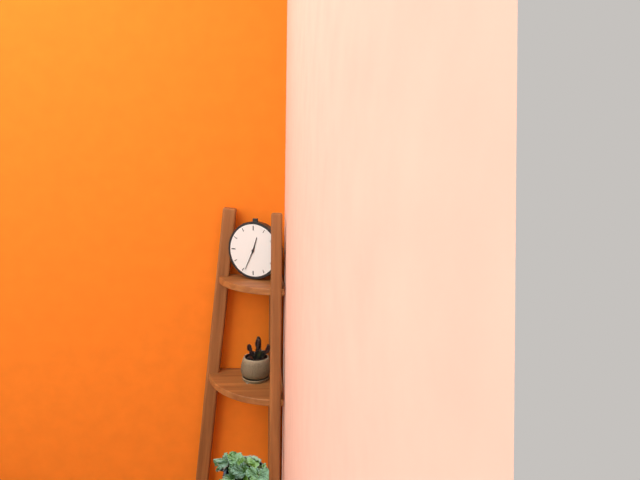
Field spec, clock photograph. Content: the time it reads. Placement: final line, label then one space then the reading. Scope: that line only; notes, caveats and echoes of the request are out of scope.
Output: 12:34
